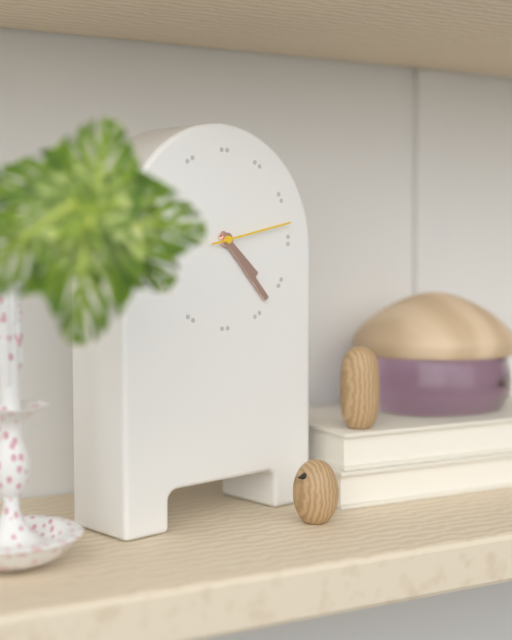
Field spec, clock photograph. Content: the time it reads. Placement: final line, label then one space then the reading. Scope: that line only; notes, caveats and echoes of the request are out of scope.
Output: 4:23:13
